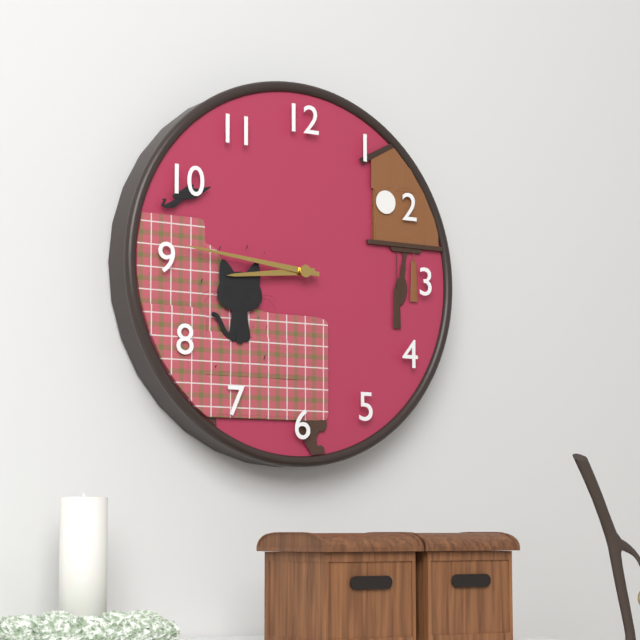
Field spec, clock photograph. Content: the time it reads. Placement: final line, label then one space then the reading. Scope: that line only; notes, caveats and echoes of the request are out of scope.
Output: 8:46
